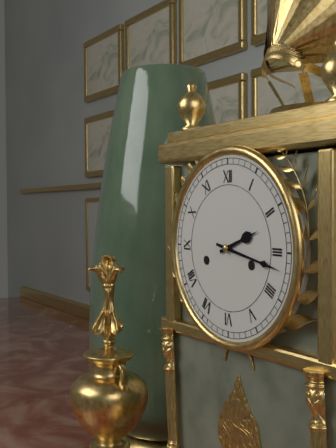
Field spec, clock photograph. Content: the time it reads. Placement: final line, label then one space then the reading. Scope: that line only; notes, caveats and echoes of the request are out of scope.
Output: 2:17
